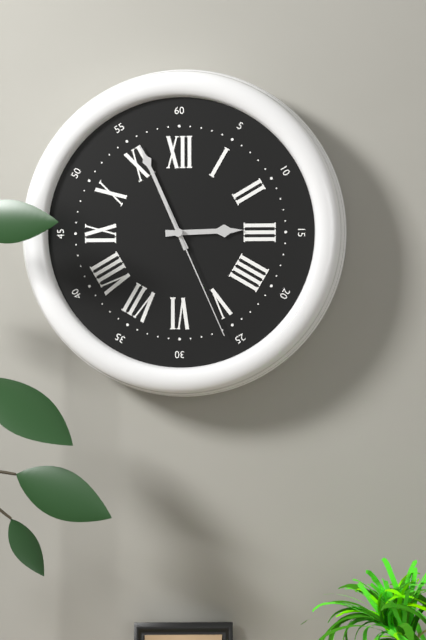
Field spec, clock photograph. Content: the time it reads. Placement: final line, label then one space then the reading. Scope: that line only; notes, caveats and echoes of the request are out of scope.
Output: 2:56:26
